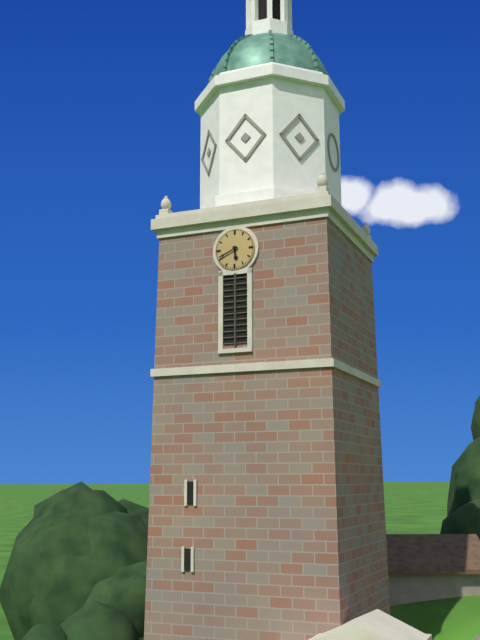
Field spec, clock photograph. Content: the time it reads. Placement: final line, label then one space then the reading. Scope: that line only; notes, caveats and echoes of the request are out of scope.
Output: 5:41
